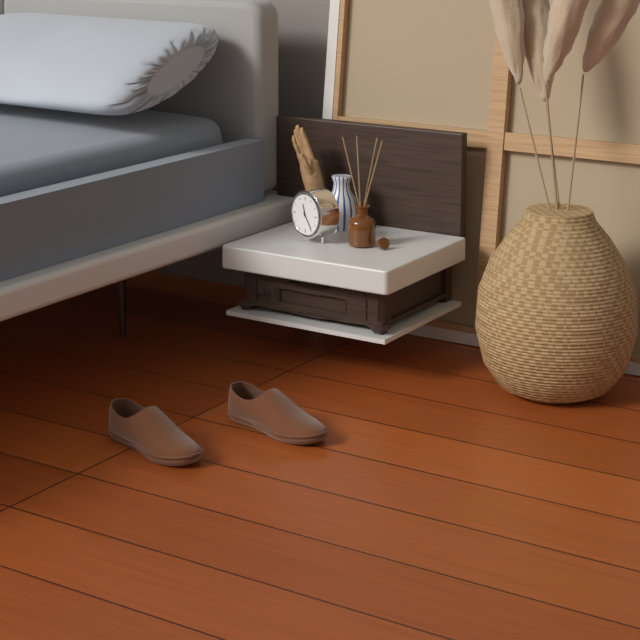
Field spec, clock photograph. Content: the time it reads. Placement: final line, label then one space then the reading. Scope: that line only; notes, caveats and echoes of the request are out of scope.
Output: 11:24
